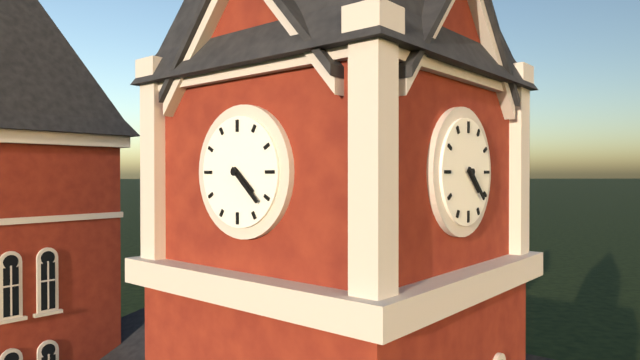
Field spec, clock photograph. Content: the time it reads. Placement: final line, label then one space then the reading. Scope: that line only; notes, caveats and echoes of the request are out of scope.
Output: 4:22
